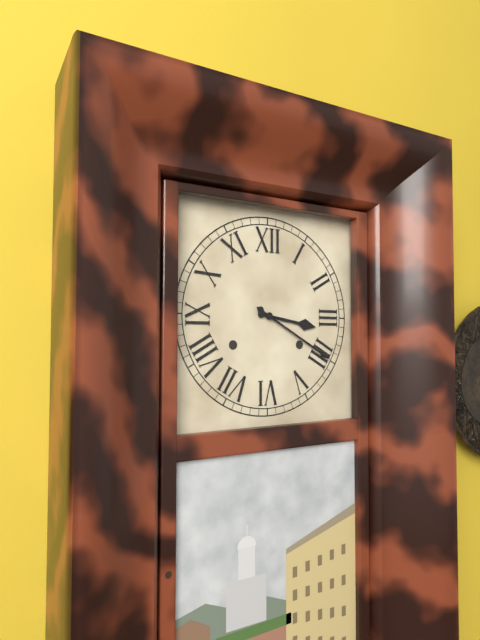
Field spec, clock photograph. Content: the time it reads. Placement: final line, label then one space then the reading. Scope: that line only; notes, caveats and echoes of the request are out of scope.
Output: 3:20
